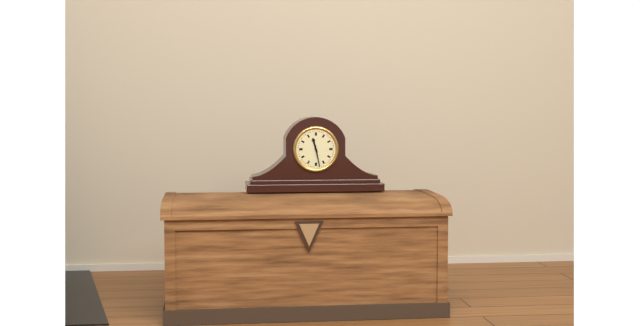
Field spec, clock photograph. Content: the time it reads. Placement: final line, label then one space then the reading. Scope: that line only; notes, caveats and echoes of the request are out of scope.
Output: 11:28
